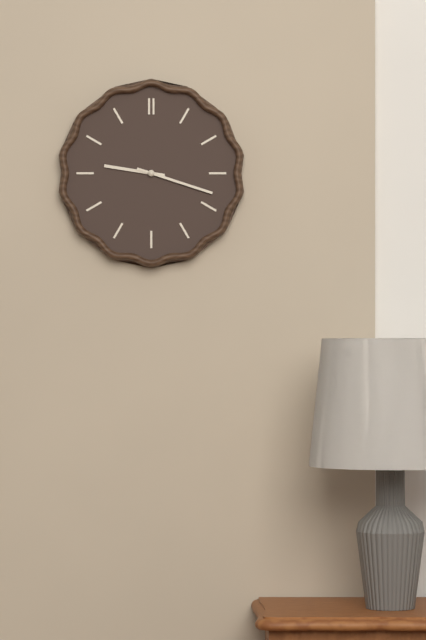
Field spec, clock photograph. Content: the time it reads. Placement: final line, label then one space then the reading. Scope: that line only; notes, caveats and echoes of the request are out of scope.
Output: 9:18
